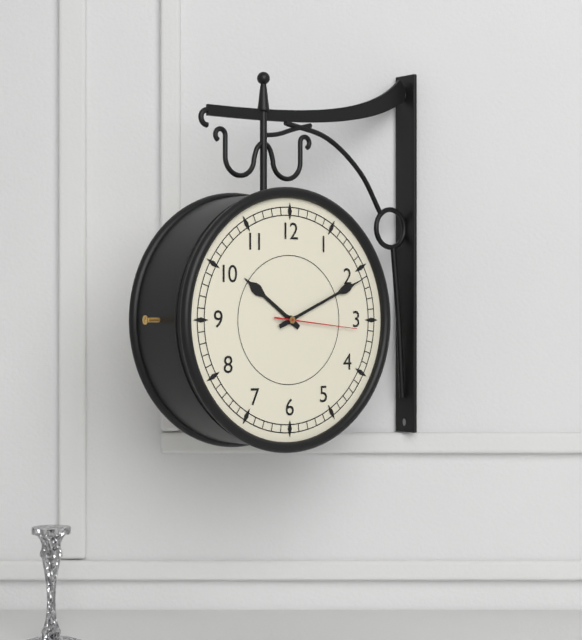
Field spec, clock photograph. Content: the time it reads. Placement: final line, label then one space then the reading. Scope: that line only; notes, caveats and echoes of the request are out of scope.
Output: 10:11:16
